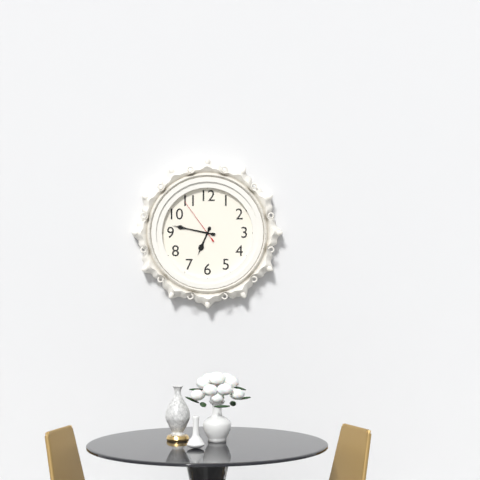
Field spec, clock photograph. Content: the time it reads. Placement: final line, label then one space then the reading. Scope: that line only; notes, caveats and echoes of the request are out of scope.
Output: 6:47
